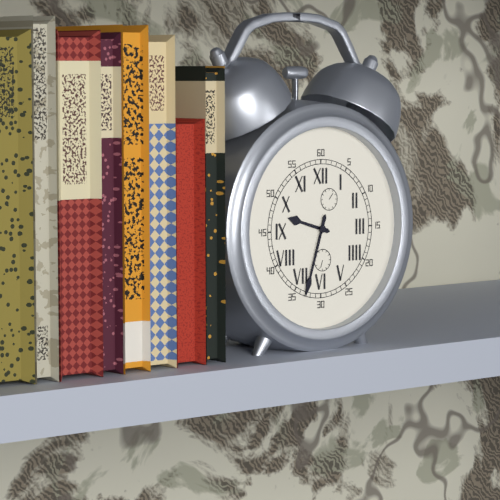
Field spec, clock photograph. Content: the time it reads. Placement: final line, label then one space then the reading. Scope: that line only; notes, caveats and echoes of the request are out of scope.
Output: 9:33
